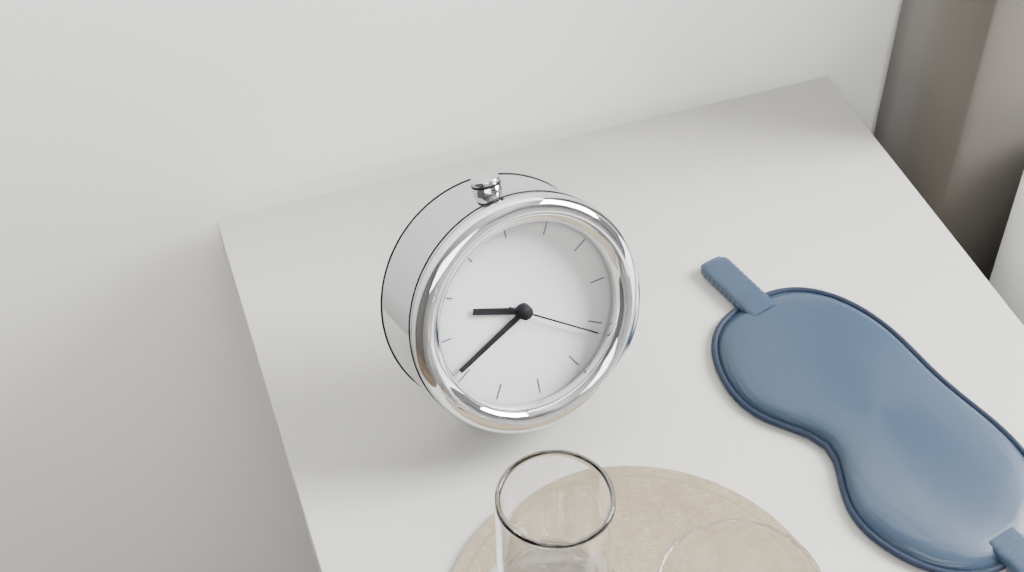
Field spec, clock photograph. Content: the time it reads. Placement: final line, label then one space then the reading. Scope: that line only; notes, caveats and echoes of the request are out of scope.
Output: 9:41:21
